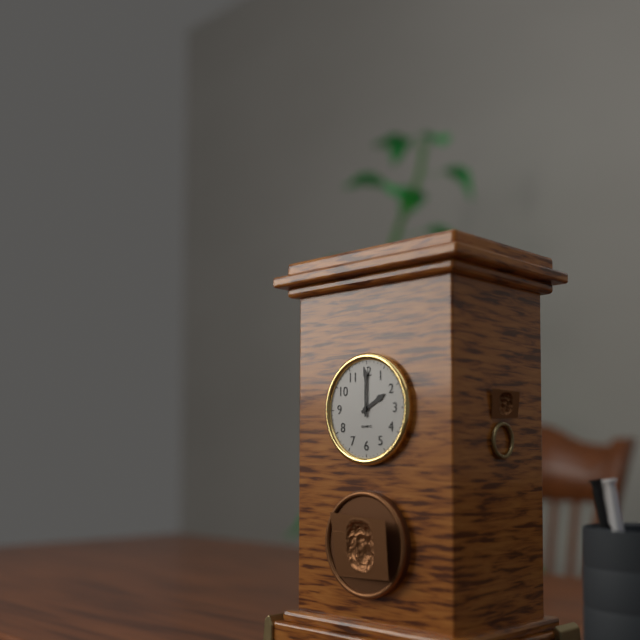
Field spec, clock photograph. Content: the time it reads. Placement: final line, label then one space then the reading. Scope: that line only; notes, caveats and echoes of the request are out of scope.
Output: 2:00
